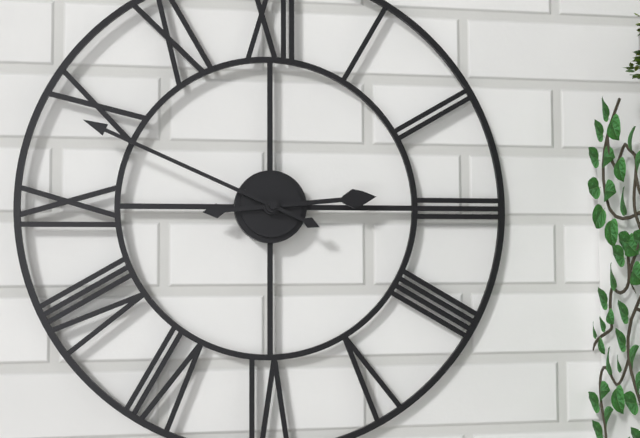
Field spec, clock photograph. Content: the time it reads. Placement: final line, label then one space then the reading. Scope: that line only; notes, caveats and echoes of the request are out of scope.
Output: 2:49
